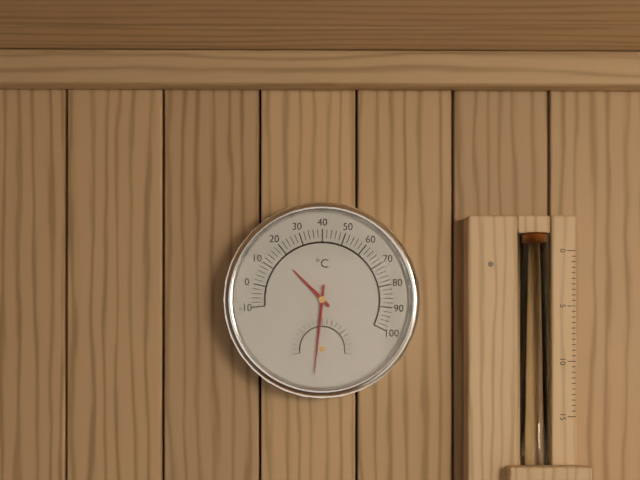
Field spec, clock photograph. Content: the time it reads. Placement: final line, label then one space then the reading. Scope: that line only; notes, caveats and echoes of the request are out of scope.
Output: 10:31
